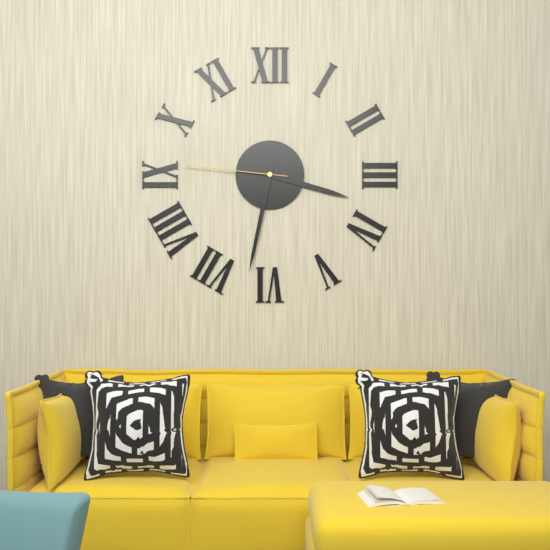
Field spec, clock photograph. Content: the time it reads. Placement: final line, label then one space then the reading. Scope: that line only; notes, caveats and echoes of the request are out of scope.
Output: 3:32:46
